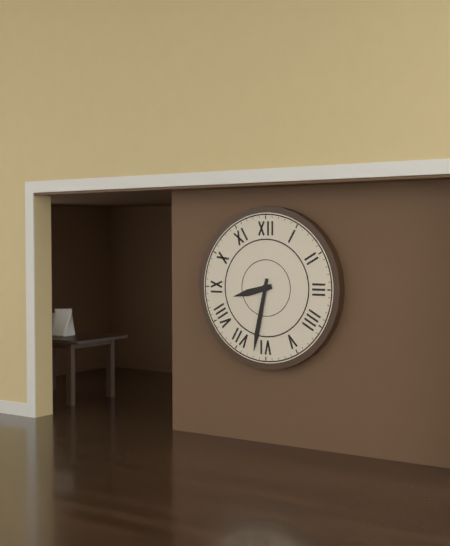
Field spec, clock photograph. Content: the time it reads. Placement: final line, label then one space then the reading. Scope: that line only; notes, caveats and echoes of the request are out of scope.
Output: 8:32
